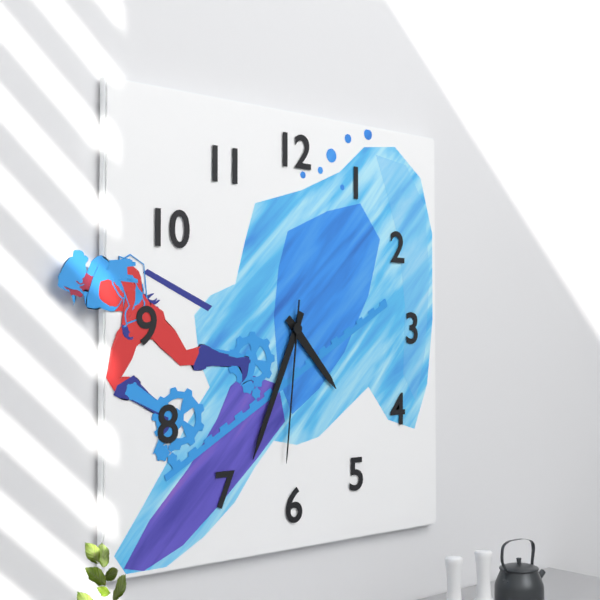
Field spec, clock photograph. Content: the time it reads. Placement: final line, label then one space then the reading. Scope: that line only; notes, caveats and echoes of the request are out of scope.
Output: 4:34:31
